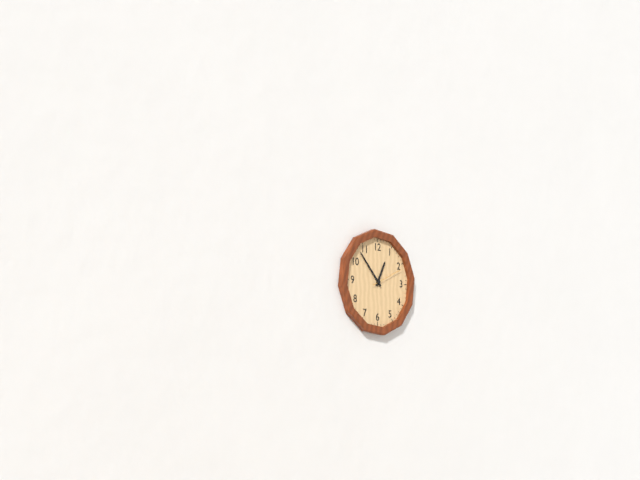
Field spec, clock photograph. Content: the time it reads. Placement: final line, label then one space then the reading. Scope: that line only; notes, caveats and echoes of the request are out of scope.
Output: 12:53
